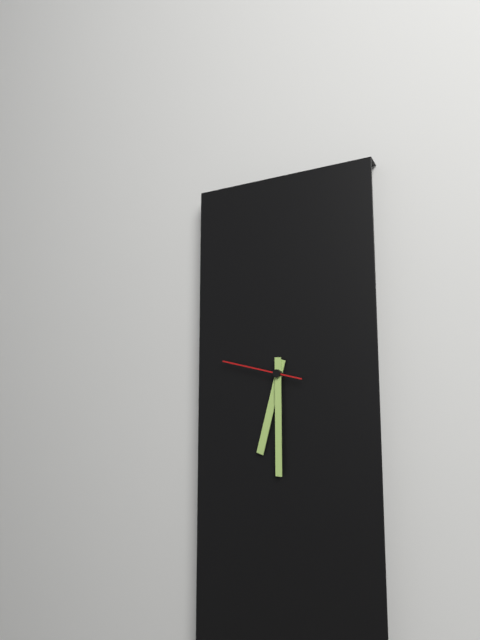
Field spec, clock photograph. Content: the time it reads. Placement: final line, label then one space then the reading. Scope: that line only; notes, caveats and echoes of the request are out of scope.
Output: 6:30:47
